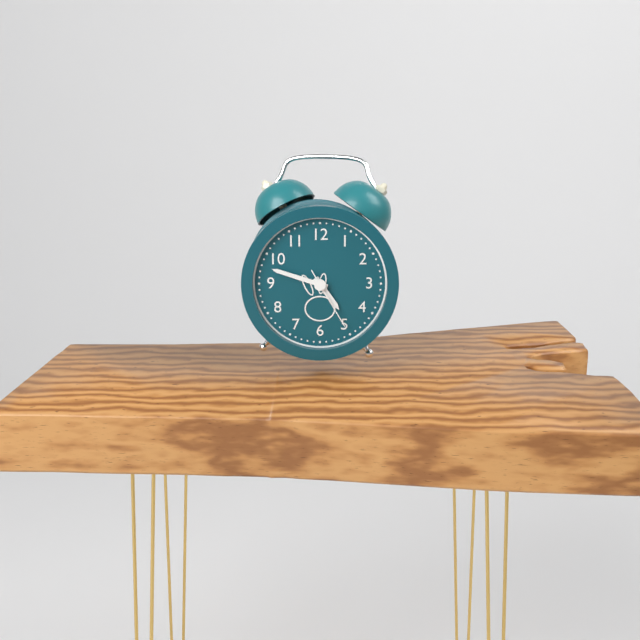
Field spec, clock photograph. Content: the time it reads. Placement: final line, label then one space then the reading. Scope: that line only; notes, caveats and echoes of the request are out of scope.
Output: 4:48:25
